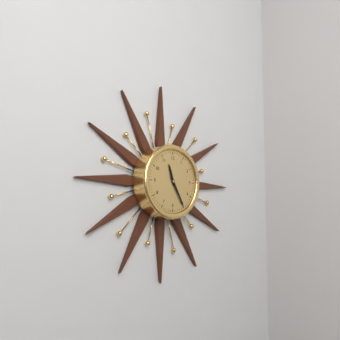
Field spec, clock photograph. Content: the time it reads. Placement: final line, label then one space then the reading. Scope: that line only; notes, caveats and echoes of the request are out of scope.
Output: 11:25
